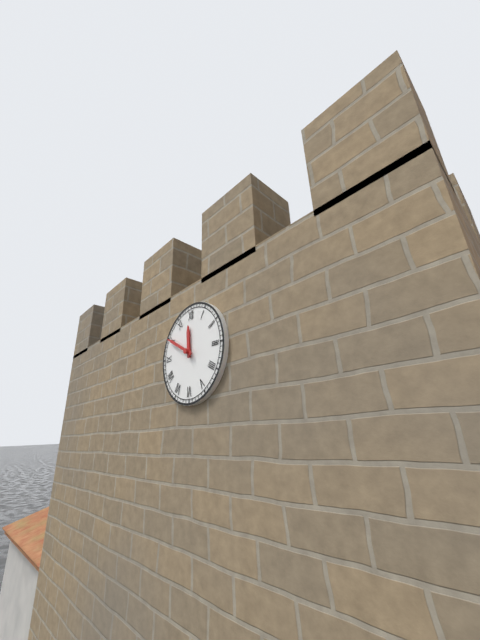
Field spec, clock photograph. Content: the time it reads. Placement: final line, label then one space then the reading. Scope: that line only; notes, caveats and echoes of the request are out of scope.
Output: 11:50
